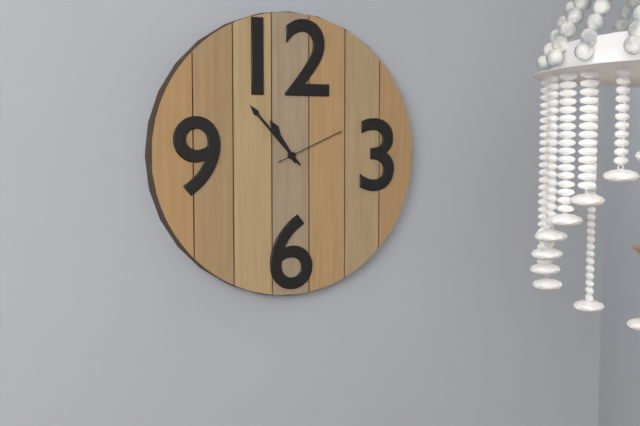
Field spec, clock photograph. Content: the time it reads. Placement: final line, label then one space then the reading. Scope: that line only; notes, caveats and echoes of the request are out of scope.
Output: 10:53:11
